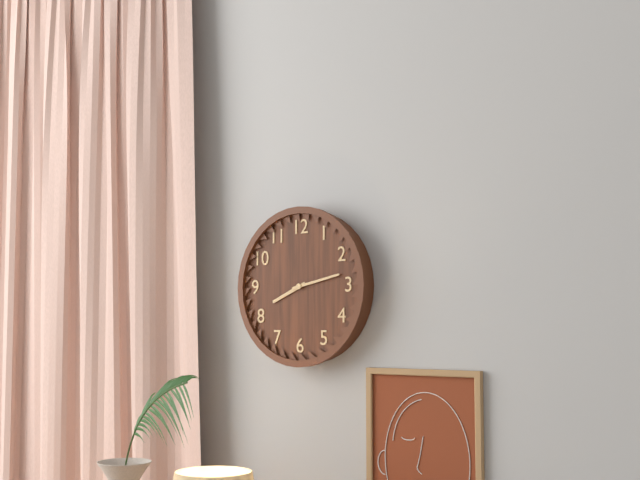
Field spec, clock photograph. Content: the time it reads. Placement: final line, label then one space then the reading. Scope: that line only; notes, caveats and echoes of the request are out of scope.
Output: 8:13
